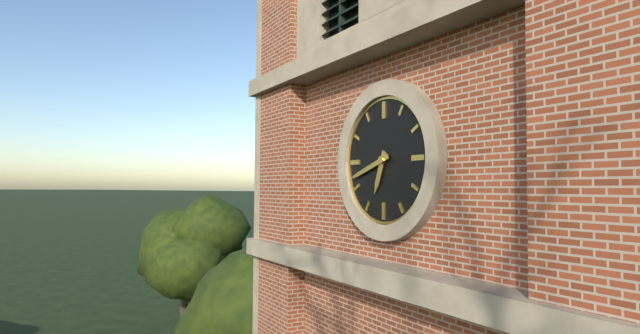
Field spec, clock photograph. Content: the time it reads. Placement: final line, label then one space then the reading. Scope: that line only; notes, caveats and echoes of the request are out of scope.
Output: 6:42
